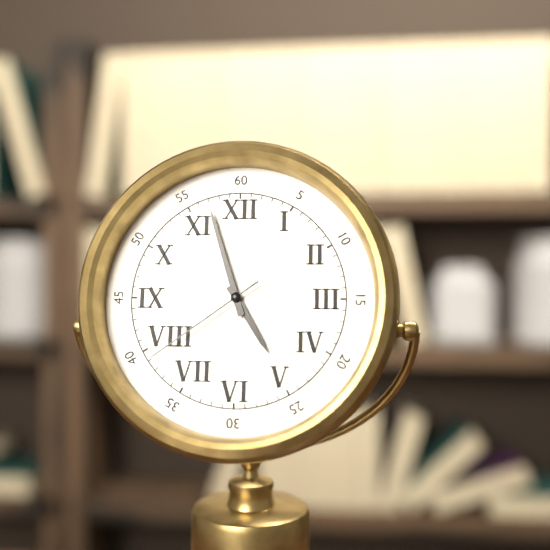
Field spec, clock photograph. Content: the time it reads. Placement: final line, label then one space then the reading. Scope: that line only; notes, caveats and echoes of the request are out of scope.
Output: 4:57:39
